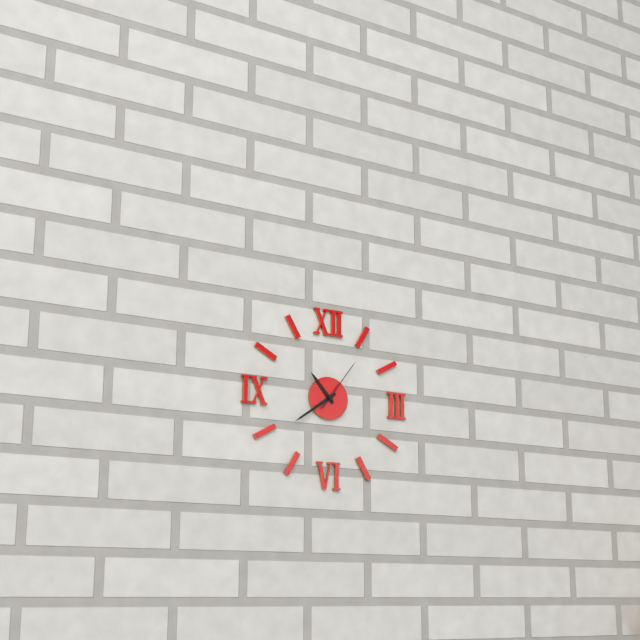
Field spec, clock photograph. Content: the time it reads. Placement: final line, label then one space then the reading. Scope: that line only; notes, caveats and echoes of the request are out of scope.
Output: 10:39:06
